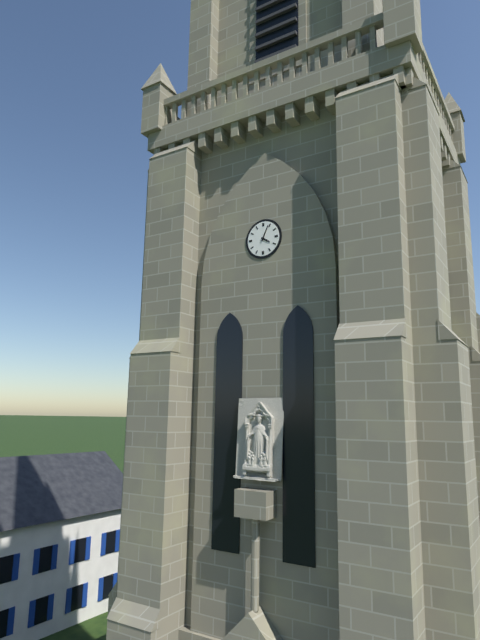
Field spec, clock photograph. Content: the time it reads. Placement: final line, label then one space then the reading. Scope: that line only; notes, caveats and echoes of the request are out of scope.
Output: 4:04
